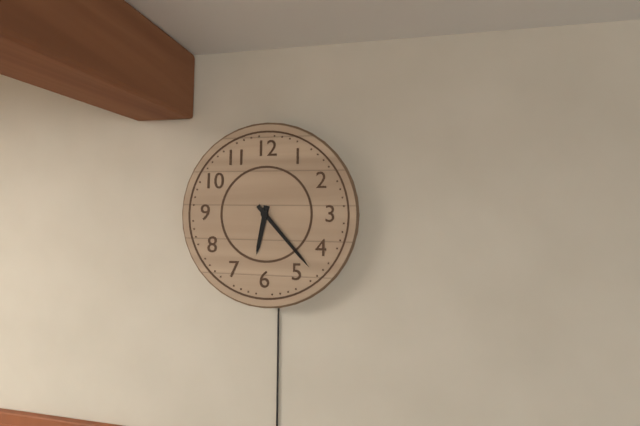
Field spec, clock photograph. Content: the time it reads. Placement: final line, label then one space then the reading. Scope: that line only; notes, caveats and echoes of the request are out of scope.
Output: 6:23
